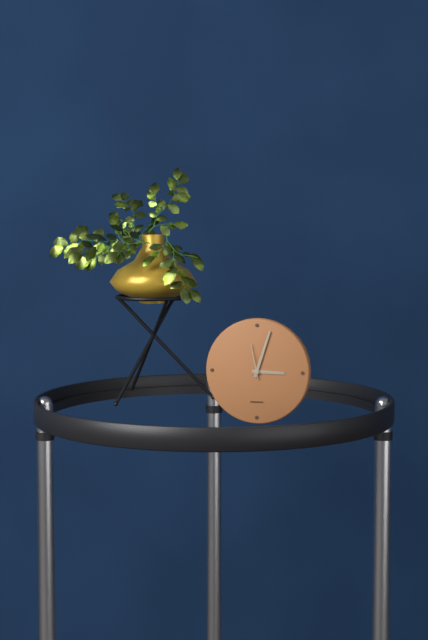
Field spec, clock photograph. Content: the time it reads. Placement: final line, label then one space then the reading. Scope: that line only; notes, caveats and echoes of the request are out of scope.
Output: 3:03
